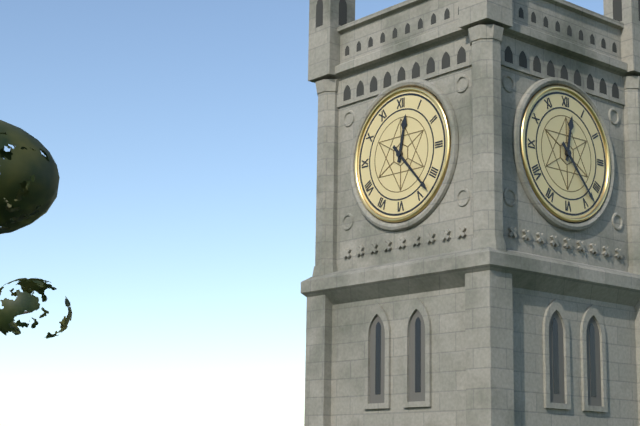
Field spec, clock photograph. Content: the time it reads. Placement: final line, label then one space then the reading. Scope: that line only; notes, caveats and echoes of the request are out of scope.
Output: 12:23
